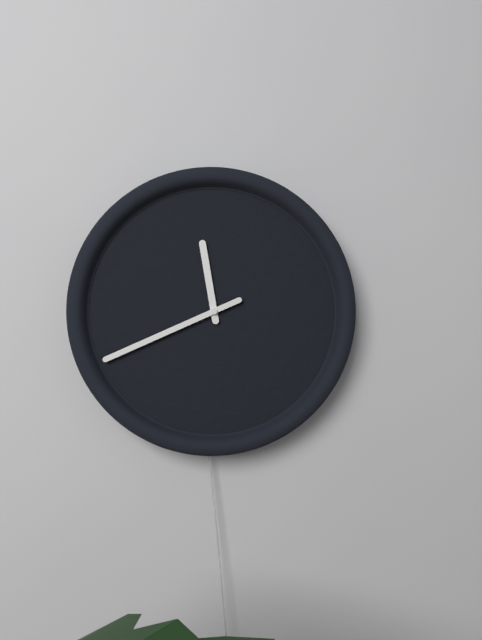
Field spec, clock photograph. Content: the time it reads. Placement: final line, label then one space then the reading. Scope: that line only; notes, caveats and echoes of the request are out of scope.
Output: 11:41
